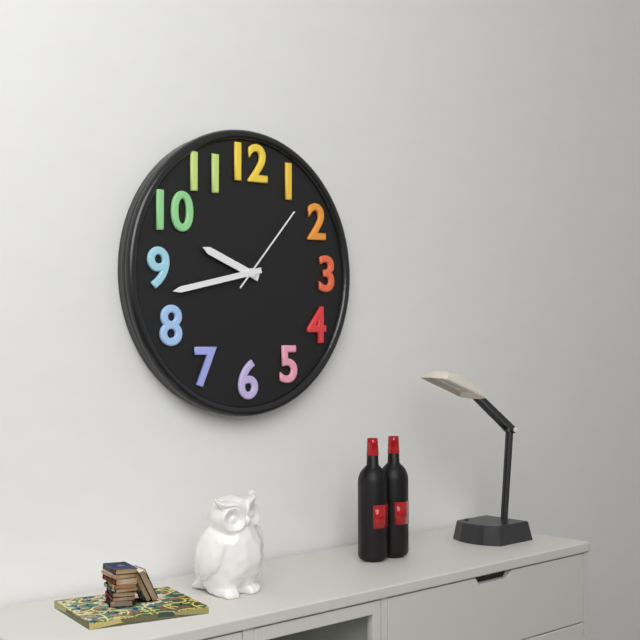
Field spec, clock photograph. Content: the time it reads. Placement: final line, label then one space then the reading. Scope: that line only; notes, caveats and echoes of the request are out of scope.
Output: 9:43:07
